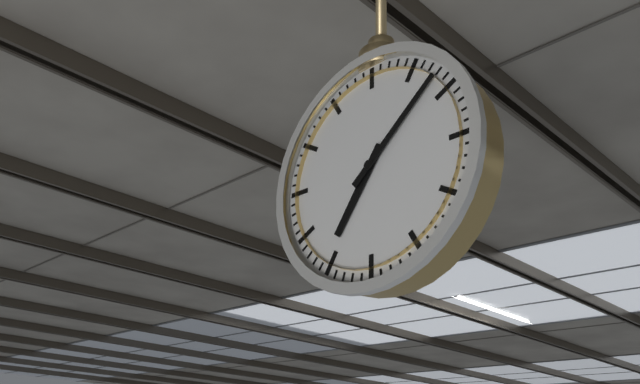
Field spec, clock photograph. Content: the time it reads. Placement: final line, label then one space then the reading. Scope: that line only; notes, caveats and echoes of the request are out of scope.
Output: 7:08
